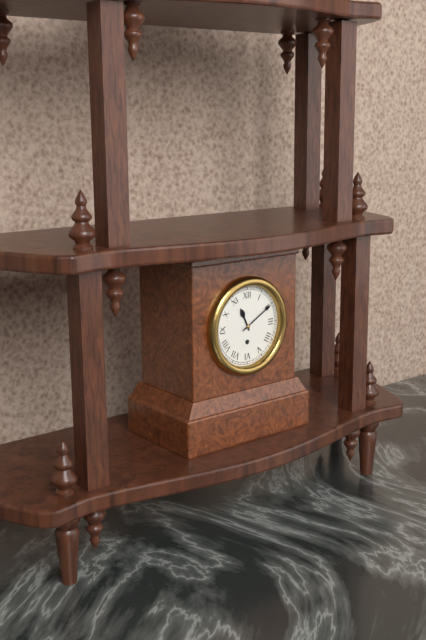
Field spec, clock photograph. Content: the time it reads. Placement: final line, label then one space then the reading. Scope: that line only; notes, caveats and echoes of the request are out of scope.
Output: 11:10
